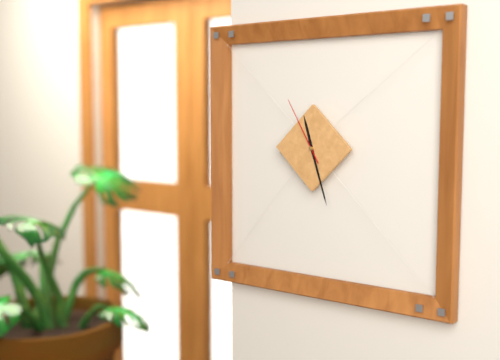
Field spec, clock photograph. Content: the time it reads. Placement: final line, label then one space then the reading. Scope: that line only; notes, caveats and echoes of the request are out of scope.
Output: 11:27:55
